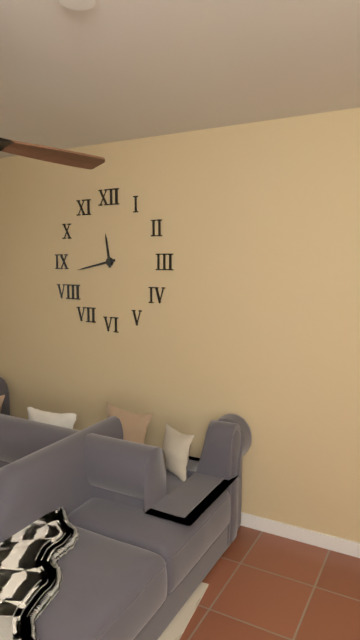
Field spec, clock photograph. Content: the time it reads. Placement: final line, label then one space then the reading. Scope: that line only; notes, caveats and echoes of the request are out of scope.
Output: 11:43
